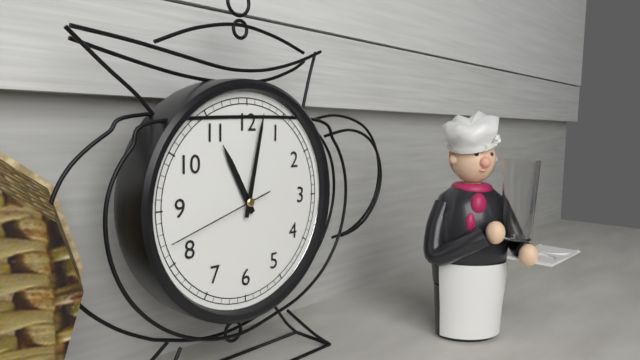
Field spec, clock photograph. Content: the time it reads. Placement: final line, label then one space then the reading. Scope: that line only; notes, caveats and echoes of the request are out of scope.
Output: 11:02:42
